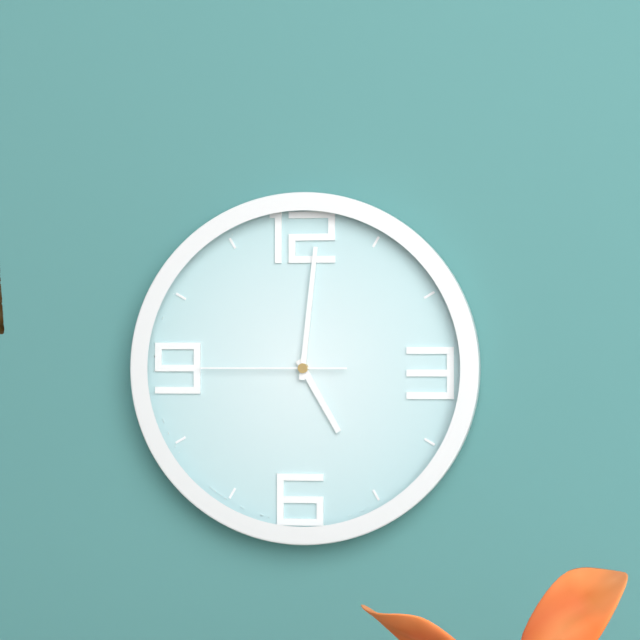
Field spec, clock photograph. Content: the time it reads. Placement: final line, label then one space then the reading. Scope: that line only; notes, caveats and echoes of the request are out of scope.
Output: 5:01:45
